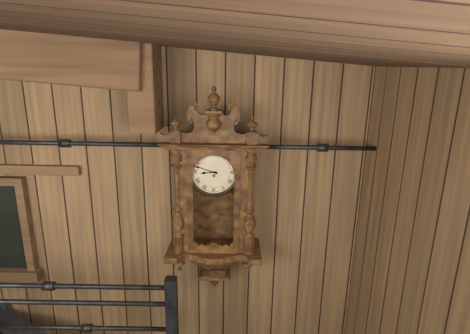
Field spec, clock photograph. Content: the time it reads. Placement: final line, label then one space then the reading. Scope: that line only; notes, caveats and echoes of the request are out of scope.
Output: 8:48
